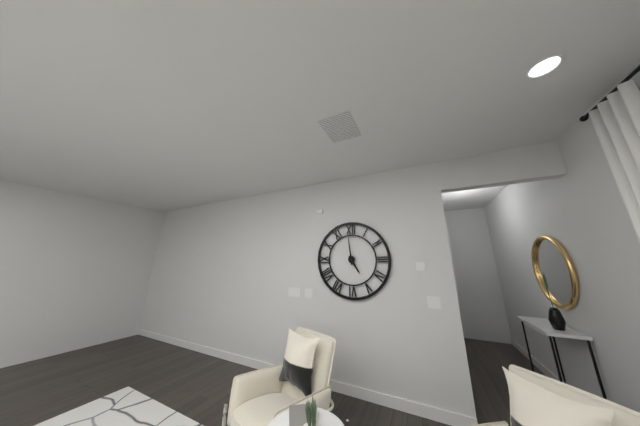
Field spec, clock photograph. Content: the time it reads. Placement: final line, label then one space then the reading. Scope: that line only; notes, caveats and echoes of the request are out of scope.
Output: 4:59
